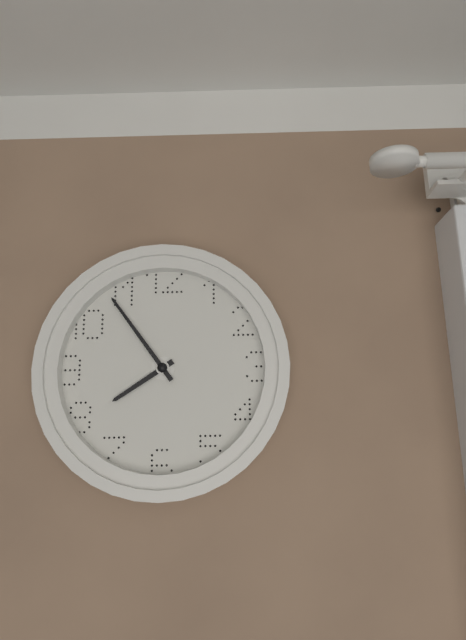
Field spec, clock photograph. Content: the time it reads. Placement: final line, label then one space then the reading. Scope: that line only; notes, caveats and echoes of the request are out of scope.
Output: 7:54
